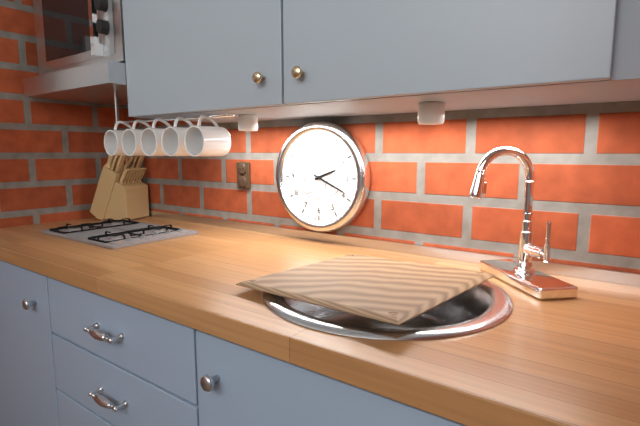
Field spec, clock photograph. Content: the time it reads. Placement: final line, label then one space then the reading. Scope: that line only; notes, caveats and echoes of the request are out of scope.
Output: 2:19
